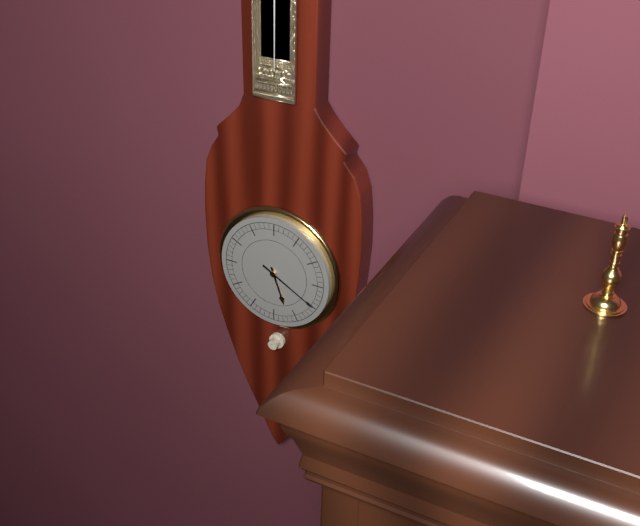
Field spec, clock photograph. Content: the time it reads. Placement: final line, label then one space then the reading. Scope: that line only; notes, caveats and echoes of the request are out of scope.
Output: 5:20
